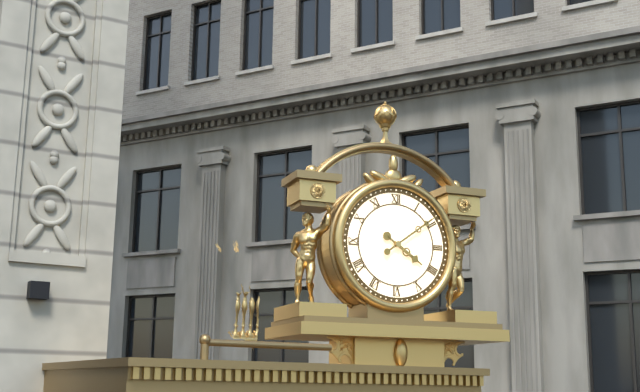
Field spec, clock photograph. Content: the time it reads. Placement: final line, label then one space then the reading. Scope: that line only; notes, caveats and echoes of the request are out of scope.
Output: 4:09
